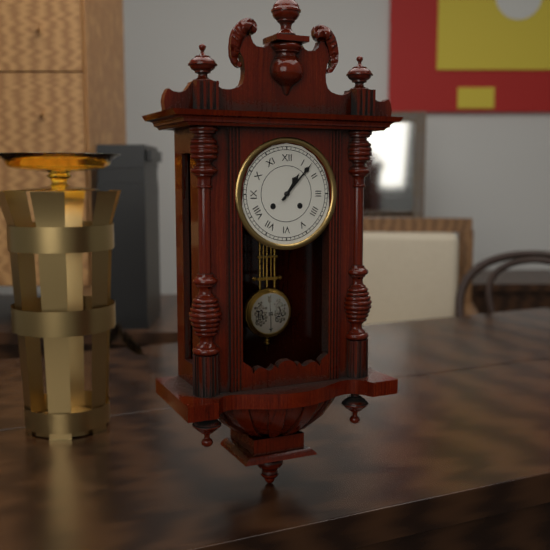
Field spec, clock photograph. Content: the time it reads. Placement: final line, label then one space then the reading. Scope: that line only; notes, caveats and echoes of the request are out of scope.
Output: 1:07
